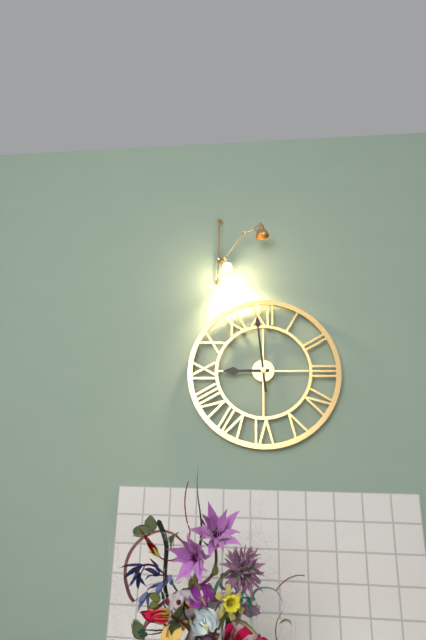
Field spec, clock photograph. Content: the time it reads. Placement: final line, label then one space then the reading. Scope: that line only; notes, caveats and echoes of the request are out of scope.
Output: 8:59
